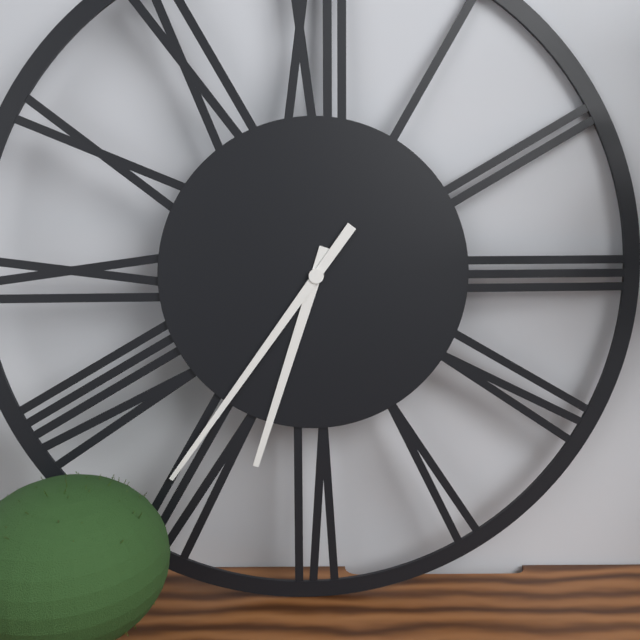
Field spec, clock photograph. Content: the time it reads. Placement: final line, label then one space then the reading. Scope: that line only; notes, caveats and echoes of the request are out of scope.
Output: 6:36
